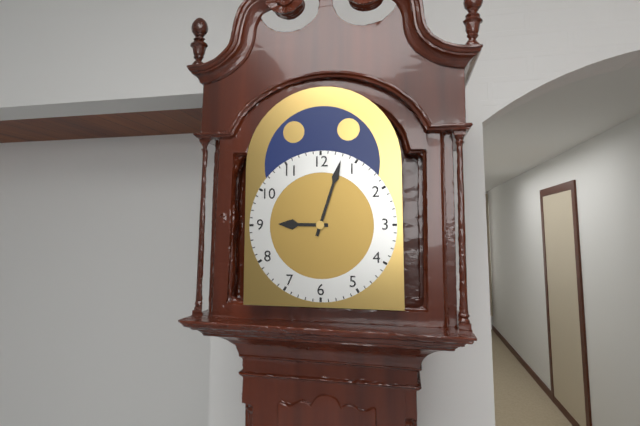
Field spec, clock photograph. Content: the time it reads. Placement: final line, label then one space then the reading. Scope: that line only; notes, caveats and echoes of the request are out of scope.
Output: 9:03
